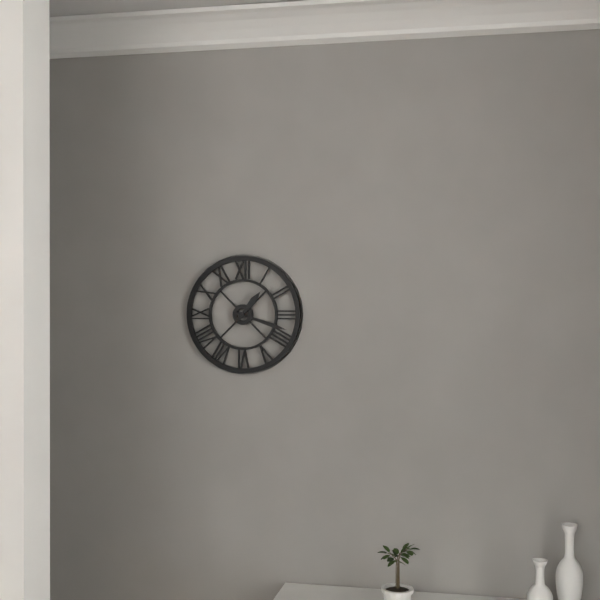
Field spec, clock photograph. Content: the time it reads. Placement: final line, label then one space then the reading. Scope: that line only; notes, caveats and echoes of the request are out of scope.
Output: 1:18
